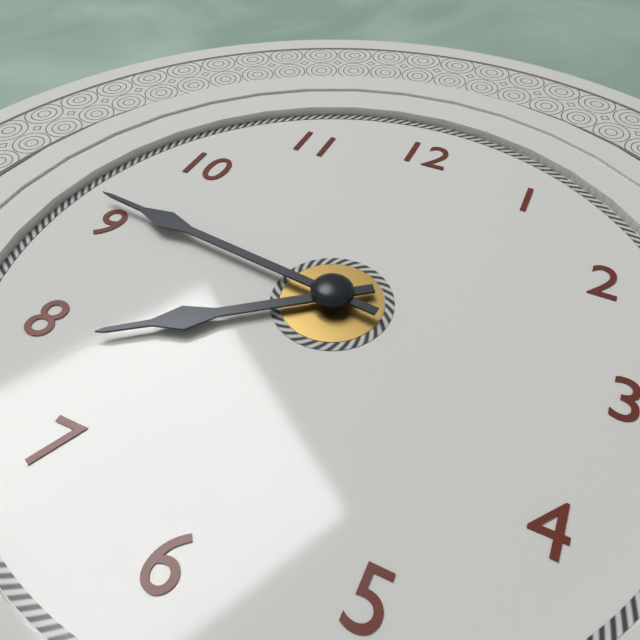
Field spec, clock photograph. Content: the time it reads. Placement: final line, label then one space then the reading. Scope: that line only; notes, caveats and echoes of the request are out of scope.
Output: 7:46
